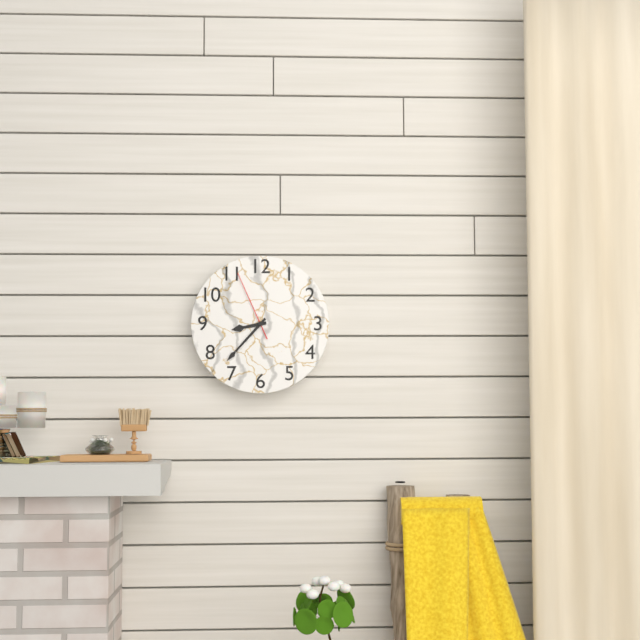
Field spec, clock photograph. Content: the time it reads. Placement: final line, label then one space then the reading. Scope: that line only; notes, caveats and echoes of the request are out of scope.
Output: 8:37:56
